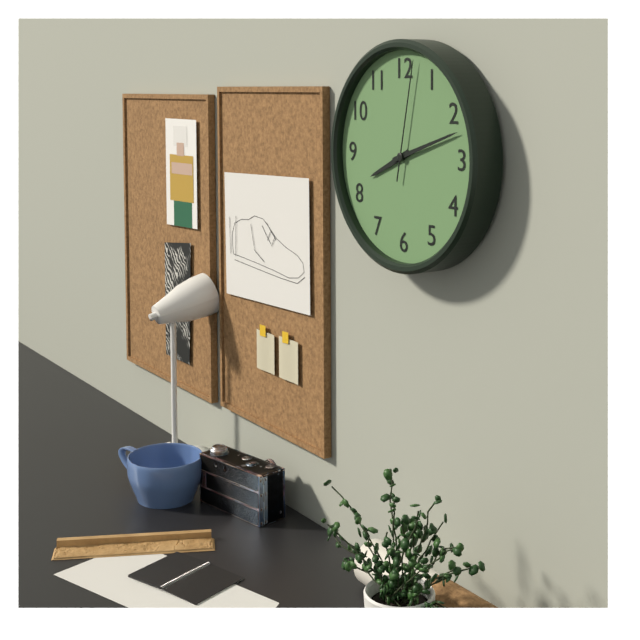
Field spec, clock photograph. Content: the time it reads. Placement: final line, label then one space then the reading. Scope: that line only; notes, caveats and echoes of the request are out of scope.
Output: 8:12:02
